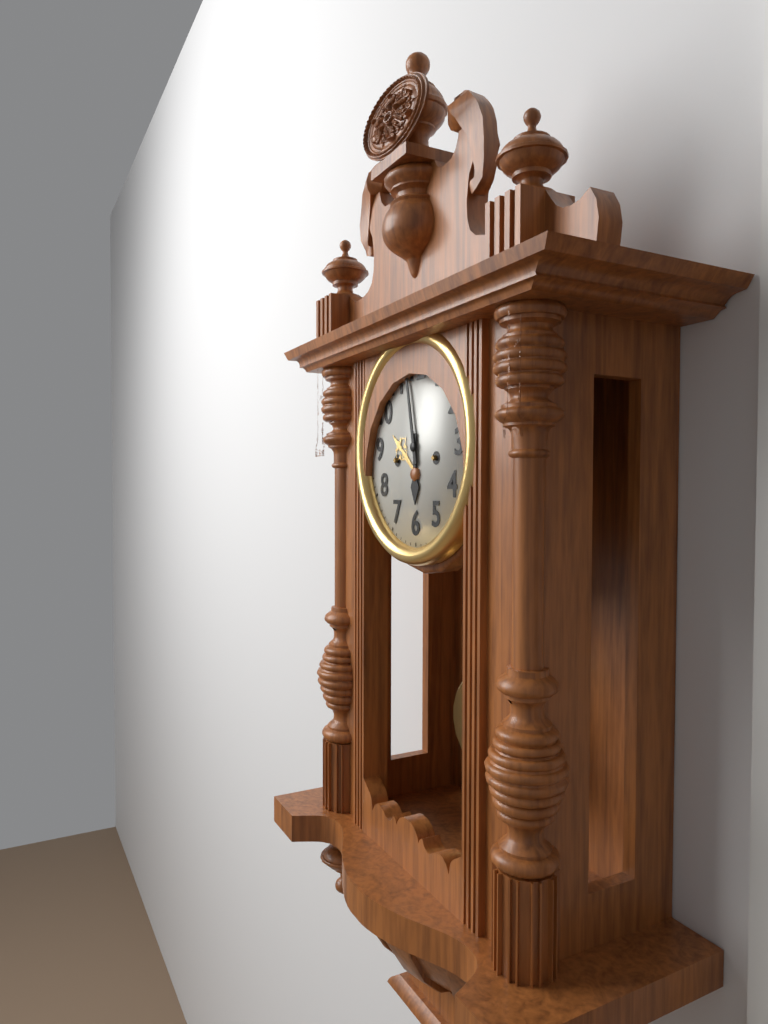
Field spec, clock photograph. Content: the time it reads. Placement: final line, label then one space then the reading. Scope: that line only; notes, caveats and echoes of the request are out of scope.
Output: 5:58
